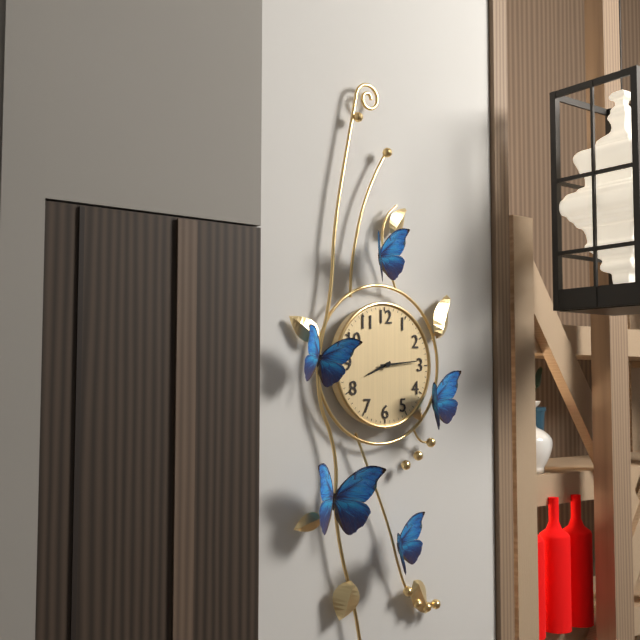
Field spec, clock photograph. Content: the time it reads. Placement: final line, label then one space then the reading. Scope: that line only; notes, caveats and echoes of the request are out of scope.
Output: 8:14
